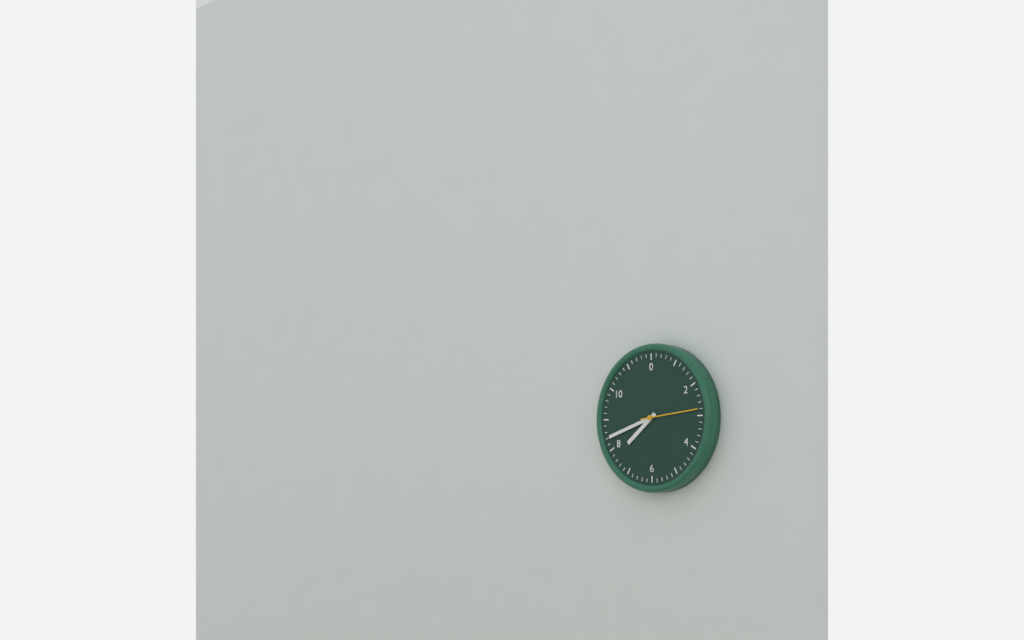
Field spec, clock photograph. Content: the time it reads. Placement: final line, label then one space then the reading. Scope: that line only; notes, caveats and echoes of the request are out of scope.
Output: 7:42:14
